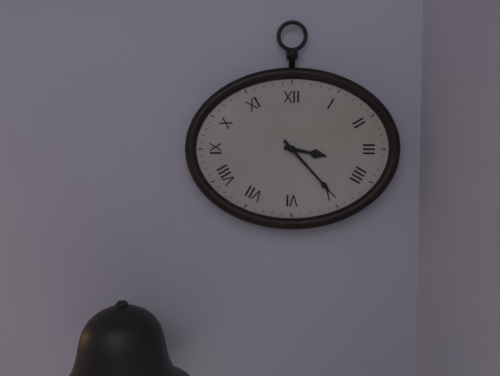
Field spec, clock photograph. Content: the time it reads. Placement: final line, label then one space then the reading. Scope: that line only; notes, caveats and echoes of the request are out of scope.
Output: 3:23
